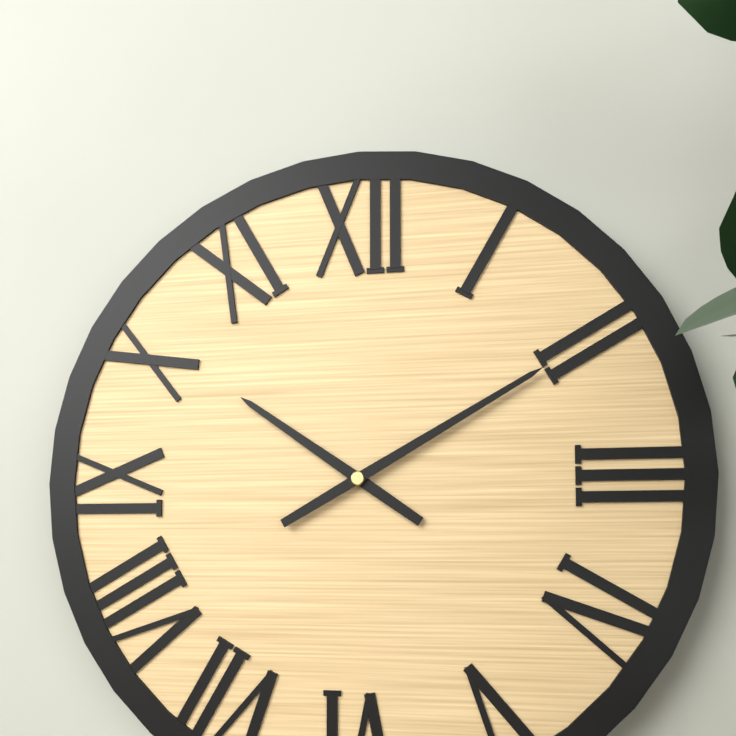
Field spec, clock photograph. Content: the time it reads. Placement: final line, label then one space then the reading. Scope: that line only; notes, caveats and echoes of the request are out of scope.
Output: 10:10
